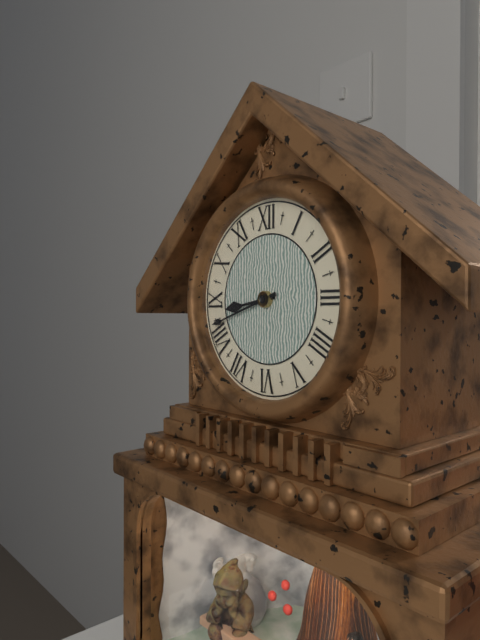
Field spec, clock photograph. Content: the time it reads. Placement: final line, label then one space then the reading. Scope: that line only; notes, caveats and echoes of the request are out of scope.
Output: 8:42
